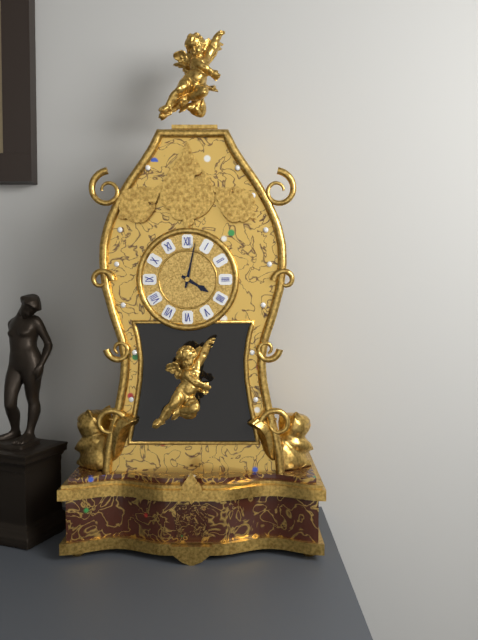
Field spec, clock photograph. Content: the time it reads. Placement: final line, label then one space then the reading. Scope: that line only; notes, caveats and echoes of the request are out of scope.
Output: 4:02
